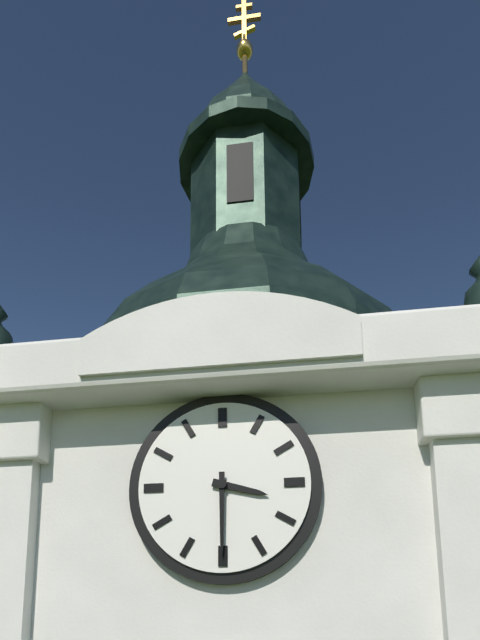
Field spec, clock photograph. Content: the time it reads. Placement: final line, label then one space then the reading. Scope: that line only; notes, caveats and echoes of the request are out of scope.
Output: 3:30
